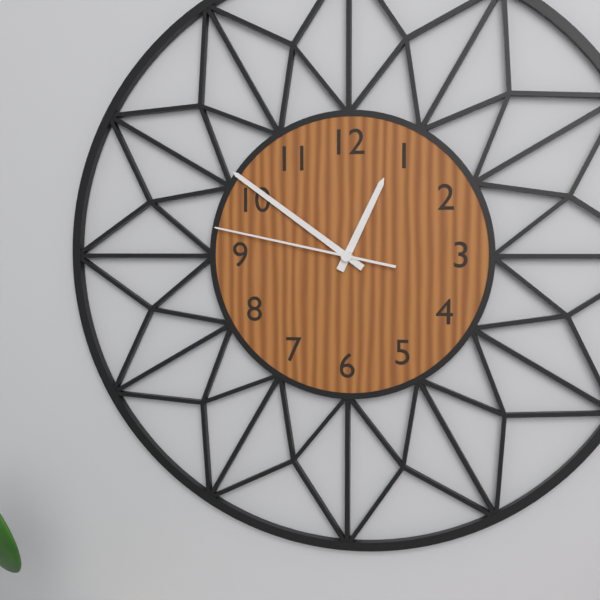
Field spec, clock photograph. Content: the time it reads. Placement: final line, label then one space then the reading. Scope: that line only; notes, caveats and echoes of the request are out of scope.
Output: 12:51:47
